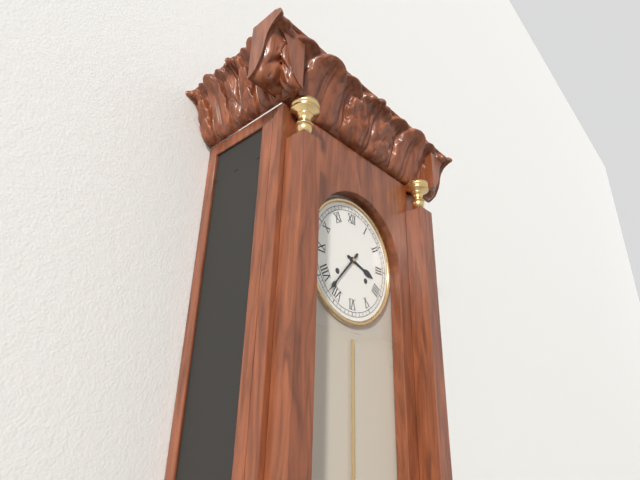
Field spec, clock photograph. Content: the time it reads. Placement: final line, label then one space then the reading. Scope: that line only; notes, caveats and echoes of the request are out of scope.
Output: 3:37
